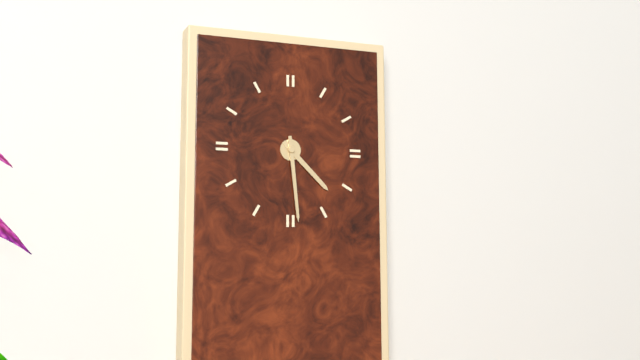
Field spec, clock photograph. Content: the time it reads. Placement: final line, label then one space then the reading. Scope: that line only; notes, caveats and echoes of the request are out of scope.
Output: 4:29
